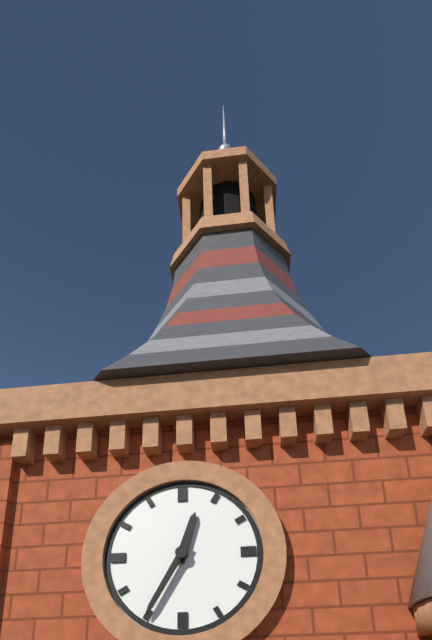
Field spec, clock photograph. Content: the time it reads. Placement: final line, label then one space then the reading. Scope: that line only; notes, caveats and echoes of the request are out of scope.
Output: 12:35
